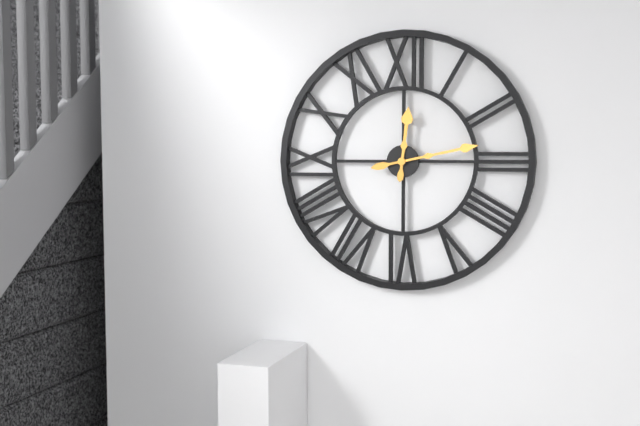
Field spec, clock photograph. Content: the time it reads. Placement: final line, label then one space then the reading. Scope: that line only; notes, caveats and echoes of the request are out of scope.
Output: 12:13
